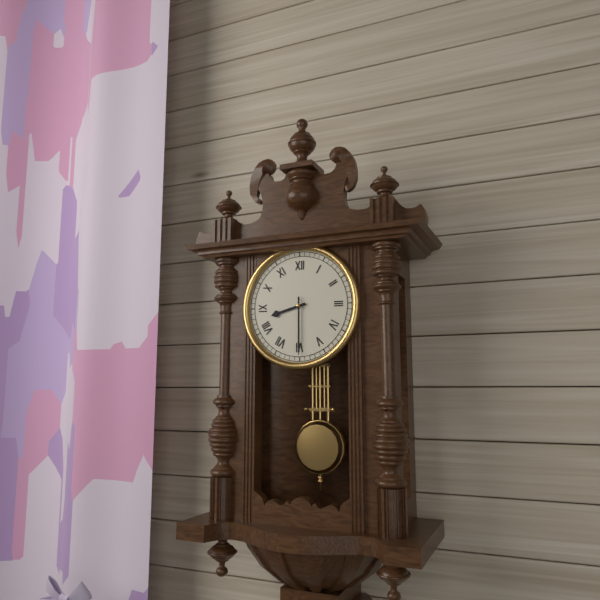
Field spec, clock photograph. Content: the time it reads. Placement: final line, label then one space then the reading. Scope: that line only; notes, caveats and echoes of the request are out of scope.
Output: 8:30
